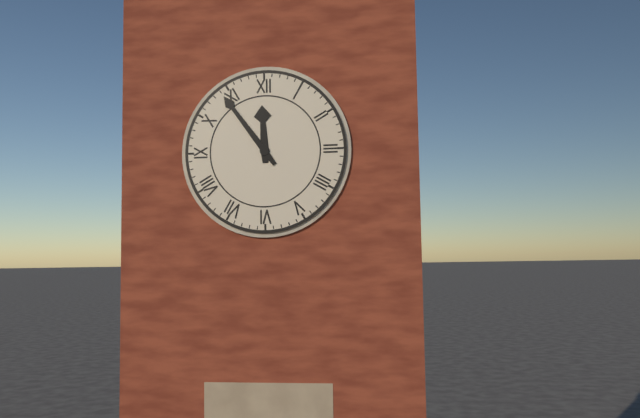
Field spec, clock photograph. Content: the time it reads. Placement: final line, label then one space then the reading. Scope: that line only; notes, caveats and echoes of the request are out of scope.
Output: 11:54
